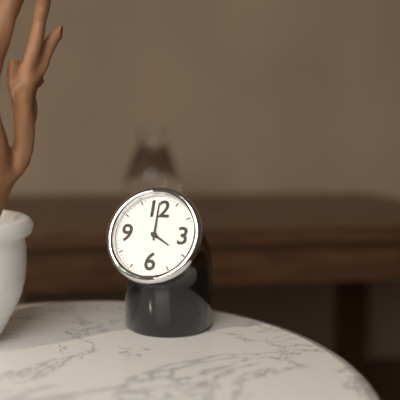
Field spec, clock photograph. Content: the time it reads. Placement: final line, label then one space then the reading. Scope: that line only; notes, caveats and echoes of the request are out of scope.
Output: 4:00
